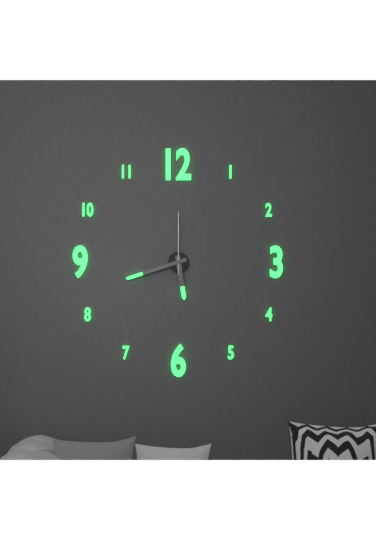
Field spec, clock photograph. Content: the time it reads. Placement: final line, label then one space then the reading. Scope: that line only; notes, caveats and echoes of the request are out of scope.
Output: 5:42:00
